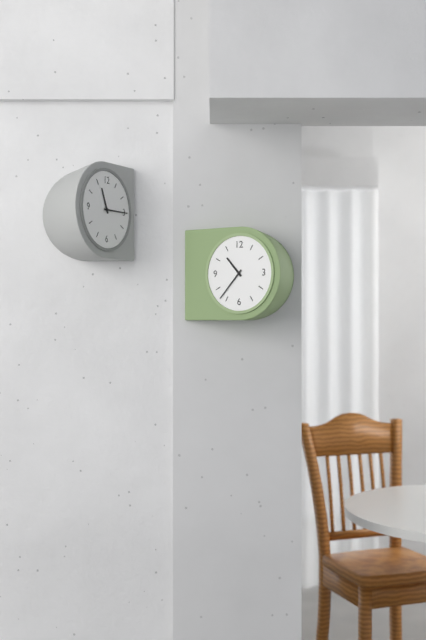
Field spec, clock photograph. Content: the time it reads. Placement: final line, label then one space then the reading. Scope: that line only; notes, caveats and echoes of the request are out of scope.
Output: 10:37
